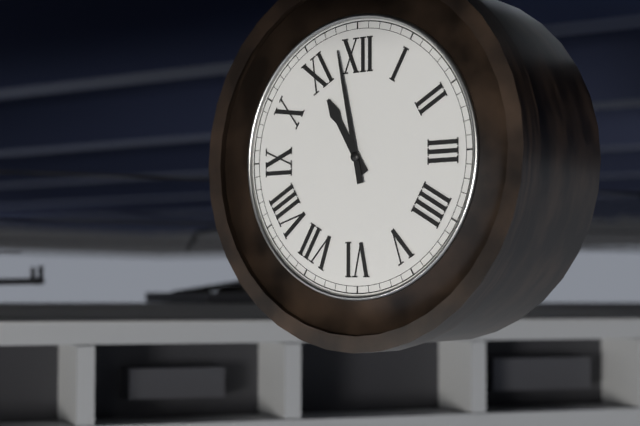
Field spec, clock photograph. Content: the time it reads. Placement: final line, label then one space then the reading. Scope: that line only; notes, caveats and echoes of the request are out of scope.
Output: 10:58
